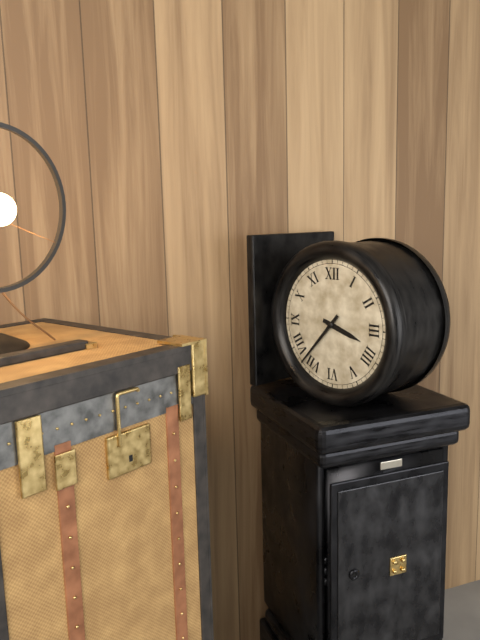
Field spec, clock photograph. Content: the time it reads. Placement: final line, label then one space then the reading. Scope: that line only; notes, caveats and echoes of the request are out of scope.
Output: 3:37
